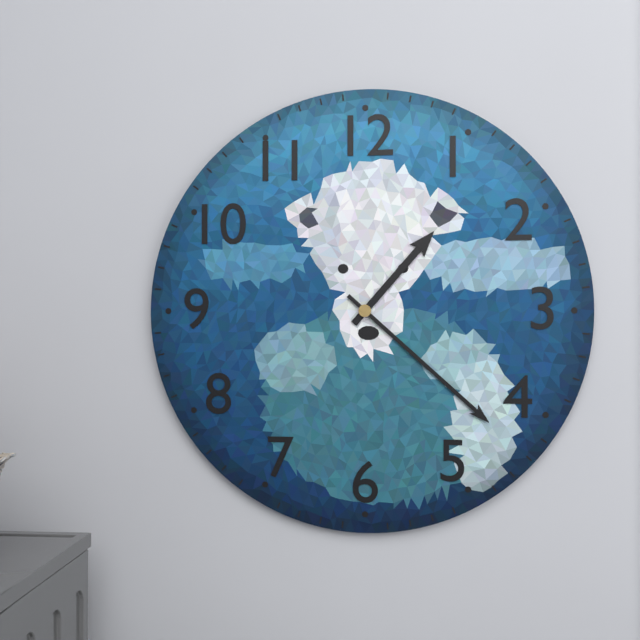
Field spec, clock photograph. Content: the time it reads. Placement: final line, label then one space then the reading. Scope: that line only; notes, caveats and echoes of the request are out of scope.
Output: 1:22
